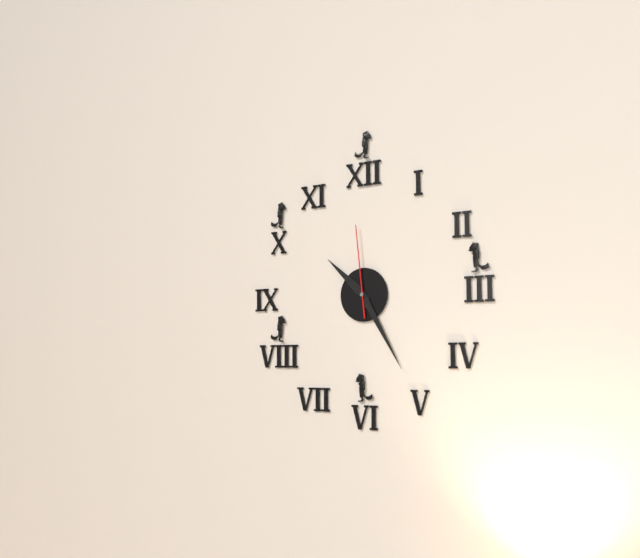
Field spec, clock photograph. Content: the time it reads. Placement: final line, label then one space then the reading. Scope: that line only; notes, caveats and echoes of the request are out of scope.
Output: 10:25:59
